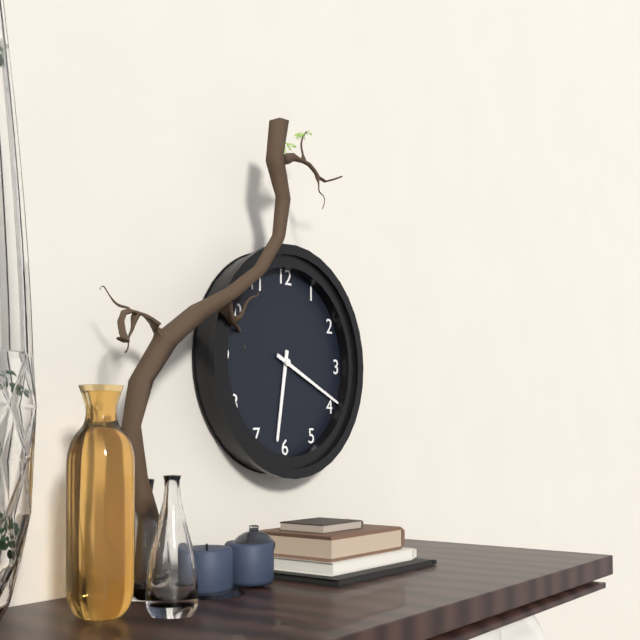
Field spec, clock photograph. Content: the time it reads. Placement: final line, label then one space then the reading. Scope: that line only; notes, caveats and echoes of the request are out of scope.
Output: 6:19
